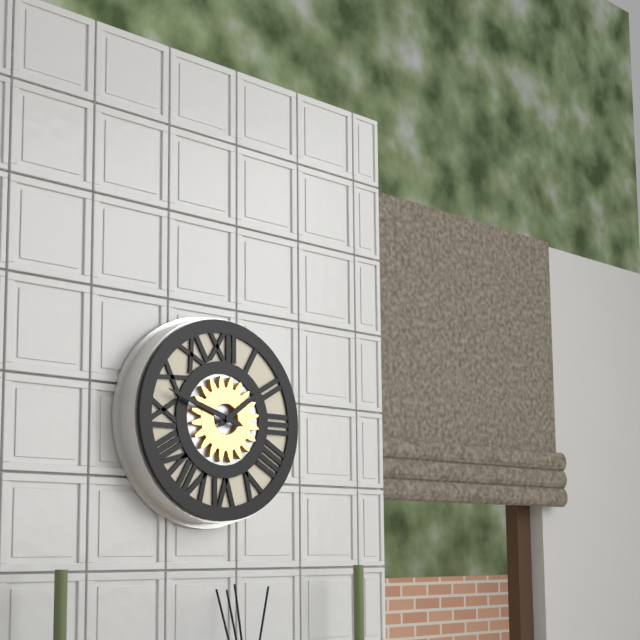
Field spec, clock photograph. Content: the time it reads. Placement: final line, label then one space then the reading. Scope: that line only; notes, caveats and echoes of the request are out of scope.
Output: 1:48
